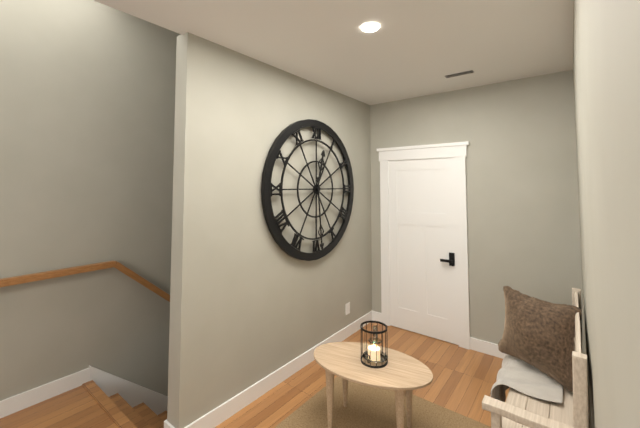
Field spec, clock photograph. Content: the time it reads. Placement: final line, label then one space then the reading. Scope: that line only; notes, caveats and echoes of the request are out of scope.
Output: 12:29
